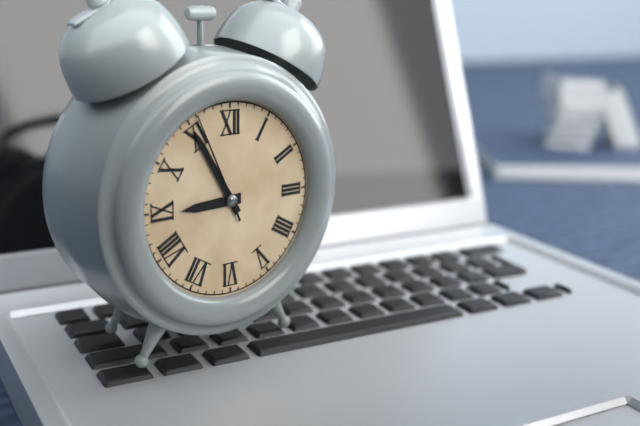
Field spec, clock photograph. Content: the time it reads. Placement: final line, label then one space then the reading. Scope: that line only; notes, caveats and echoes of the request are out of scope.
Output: 8:55:56
